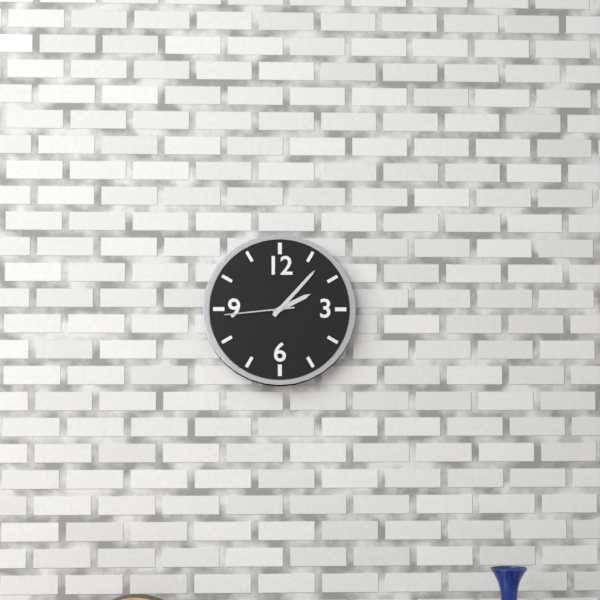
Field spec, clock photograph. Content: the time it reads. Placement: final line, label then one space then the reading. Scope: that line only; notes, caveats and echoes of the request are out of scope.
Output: 2:07:44
